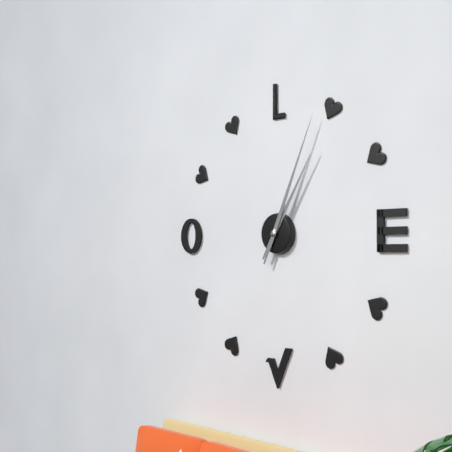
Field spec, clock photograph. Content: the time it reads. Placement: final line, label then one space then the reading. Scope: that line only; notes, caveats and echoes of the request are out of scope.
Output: 1:04
